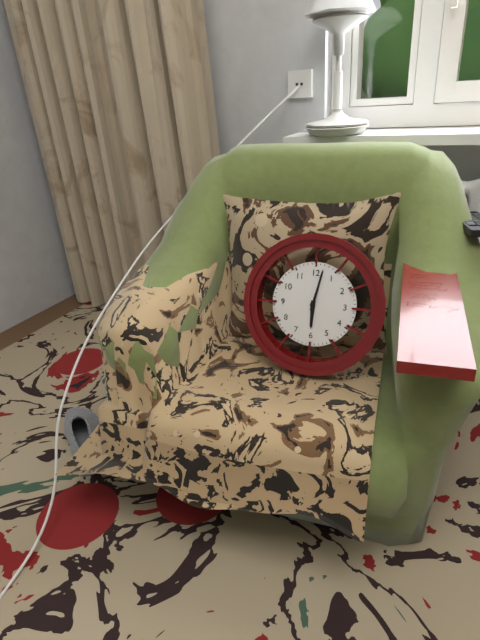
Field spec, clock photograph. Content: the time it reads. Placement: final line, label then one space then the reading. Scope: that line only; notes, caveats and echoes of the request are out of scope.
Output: 6:02
